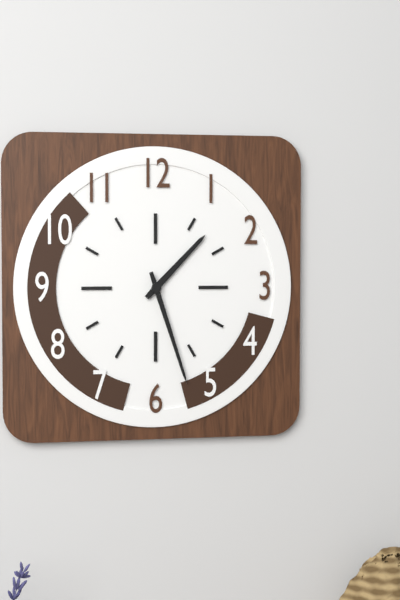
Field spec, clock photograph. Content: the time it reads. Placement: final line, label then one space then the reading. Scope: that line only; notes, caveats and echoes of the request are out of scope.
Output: 1:27
